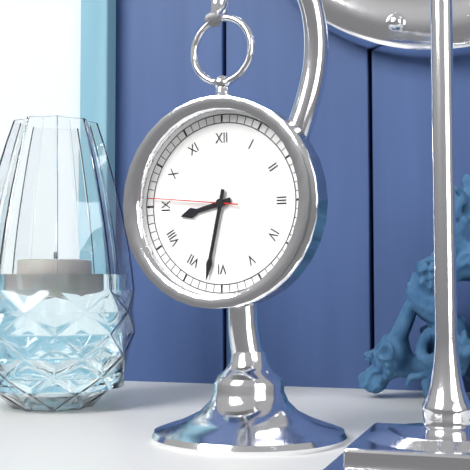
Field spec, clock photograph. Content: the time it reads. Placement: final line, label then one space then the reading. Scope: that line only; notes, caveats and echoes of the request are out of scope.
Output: 8:32:46
